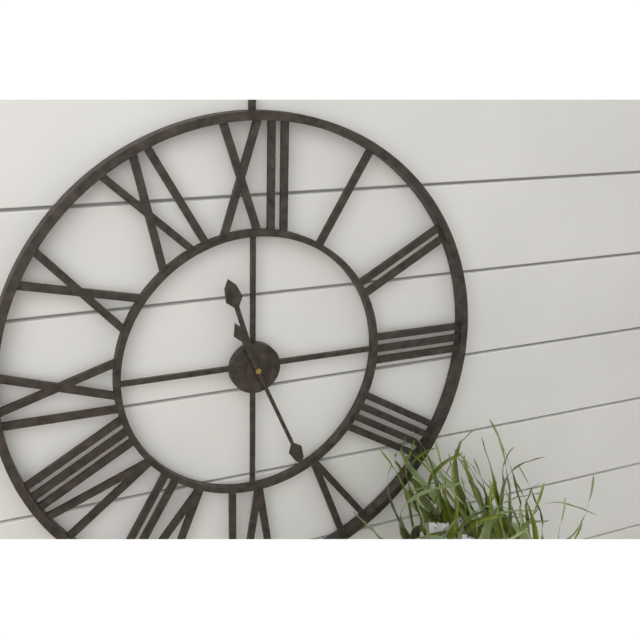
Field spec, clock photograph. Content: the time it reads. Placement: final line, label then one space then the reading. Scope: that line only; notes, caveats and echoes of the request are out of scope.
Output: 11:26
